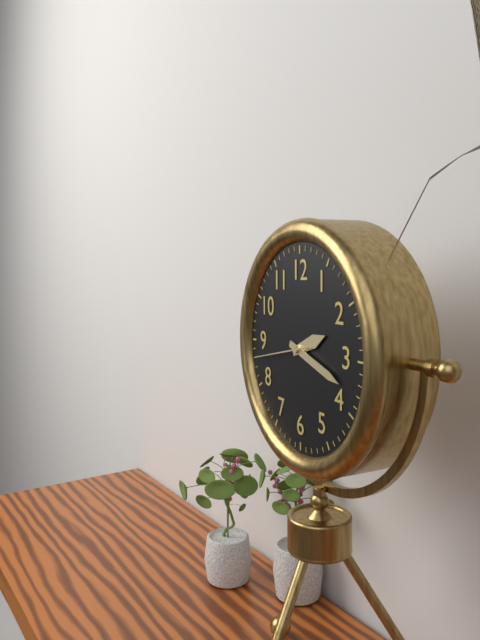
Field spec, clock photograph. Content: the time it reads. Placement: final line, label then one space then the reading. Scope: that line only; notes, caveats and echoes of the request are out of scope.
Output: 2:18:43
